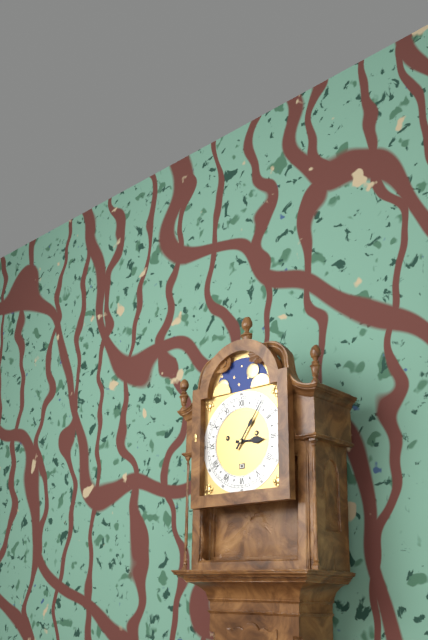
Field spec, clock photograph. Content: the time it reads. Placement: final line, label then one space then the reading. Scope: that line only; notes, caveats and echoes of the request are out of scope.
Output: 3:06
